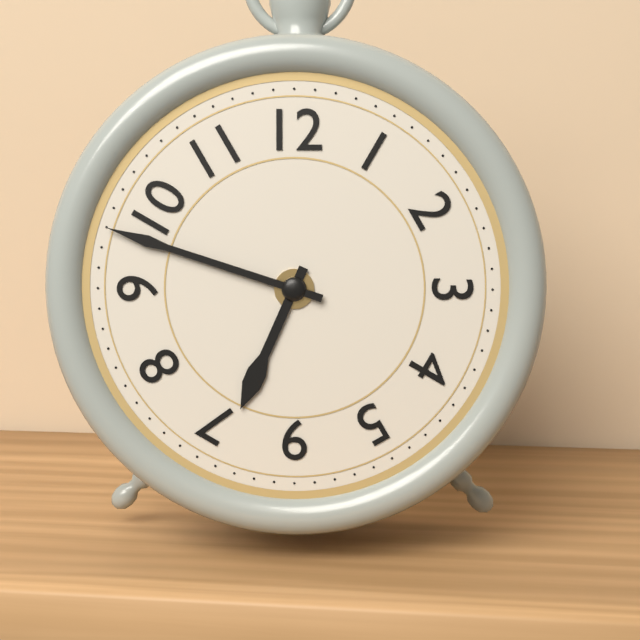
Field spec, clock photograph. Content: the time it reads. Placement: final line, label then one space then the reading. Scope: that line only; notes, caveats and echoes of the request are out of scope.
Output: 6:48
